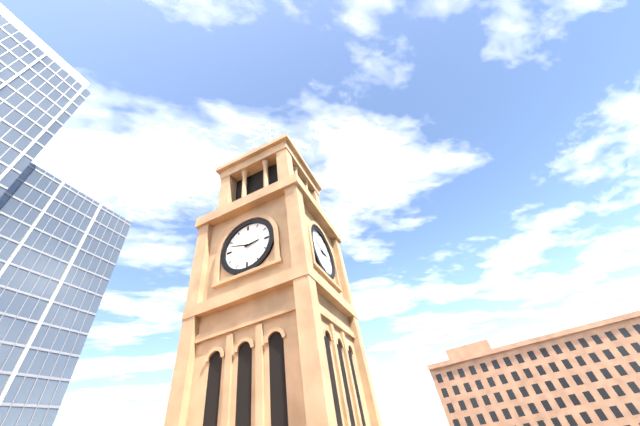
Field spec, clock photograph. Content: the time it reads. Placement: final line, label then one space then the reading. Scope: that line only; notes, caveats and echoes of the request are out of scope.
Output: 2:48
